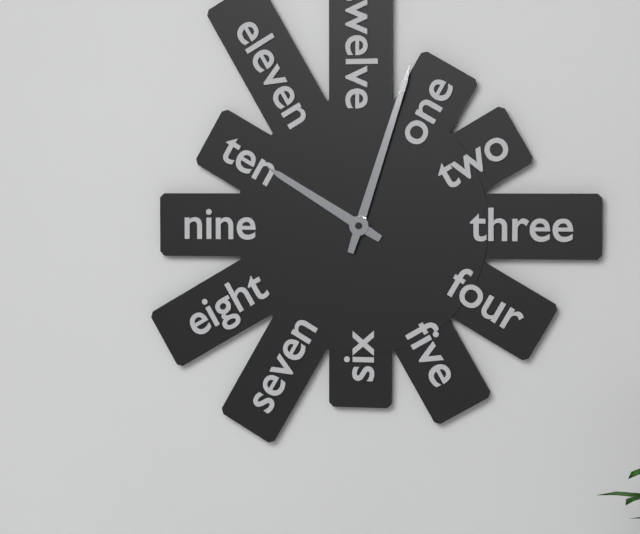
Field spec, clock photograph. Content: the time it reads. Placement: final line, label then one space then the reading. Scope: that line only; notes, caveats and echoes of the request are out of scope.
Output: 10:03
